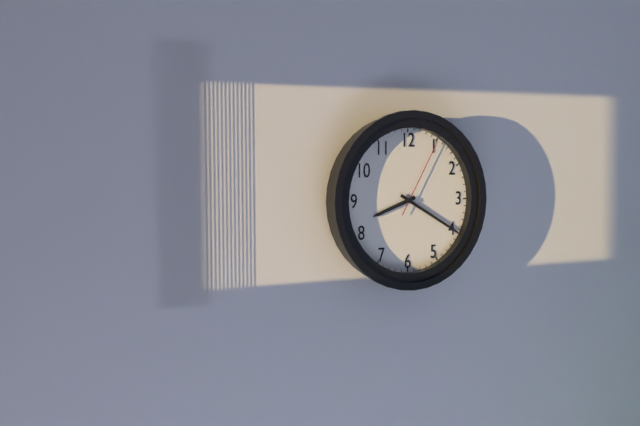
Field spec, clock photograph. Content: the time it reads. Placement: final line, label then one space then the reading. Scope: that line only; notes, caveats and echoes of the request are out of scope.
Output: 8:20:05
